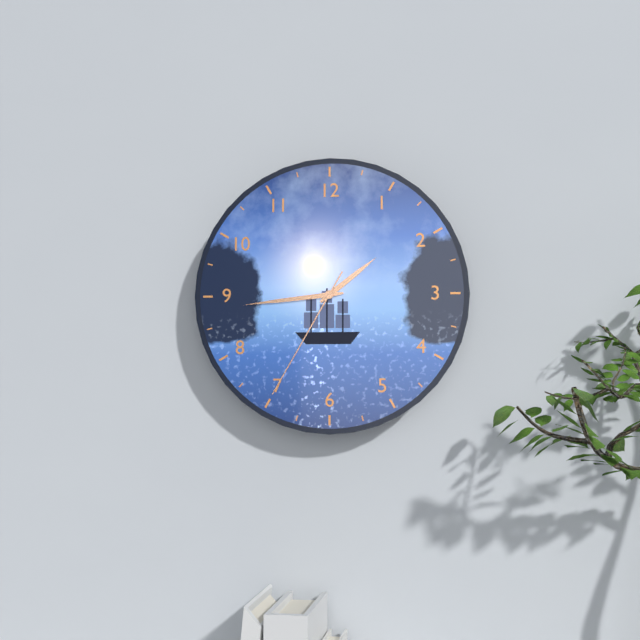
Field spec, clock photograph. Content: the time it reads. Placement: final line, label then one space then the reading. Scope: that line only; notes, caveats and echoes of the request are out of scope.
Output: 1:44:35
